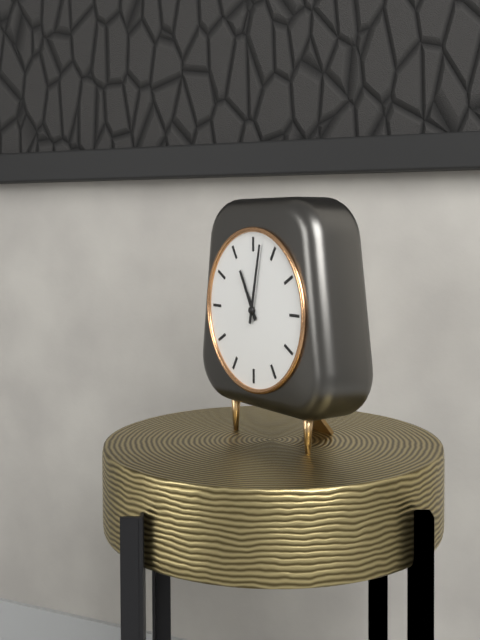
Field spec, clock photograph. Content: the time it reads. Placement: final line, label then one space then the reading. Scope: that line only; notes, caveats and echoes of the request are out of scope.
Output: 11:02
